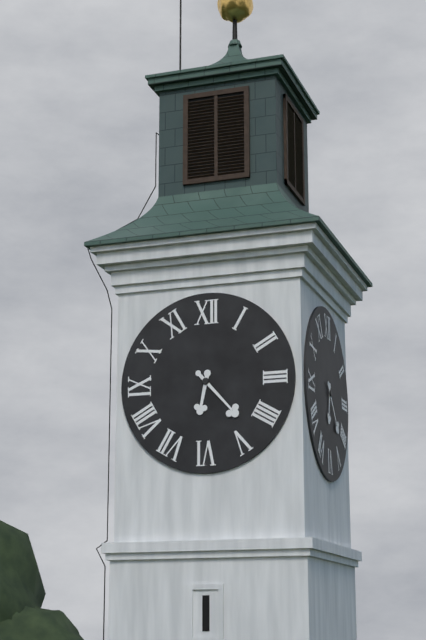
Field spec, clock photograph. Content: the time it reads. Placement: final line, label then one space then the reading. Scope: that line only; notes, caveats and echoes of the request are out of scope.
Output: 6:23
